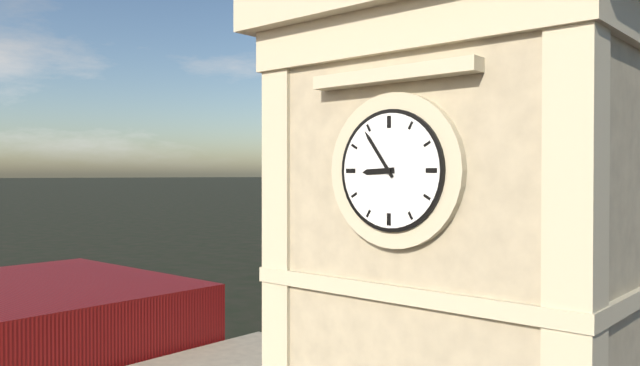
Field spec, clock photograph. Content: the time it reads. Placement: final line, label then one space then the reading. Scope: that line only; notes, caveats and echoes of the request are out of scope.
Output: 8:54
